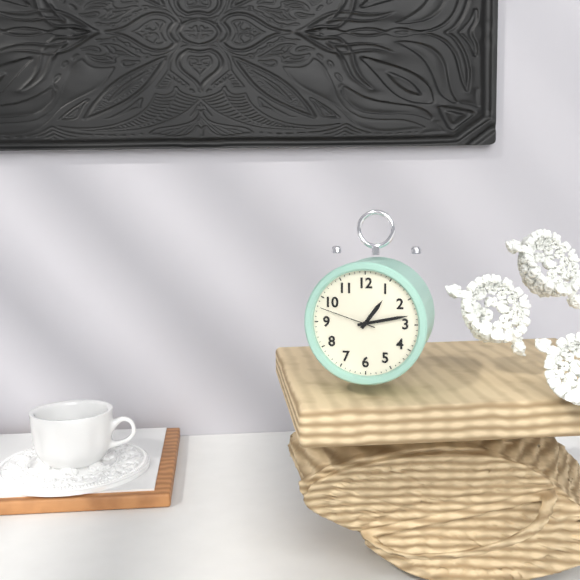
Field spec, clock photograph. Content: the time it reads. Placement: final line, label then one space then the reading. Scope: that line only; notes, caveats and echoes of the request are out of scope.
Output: 1:13:48
